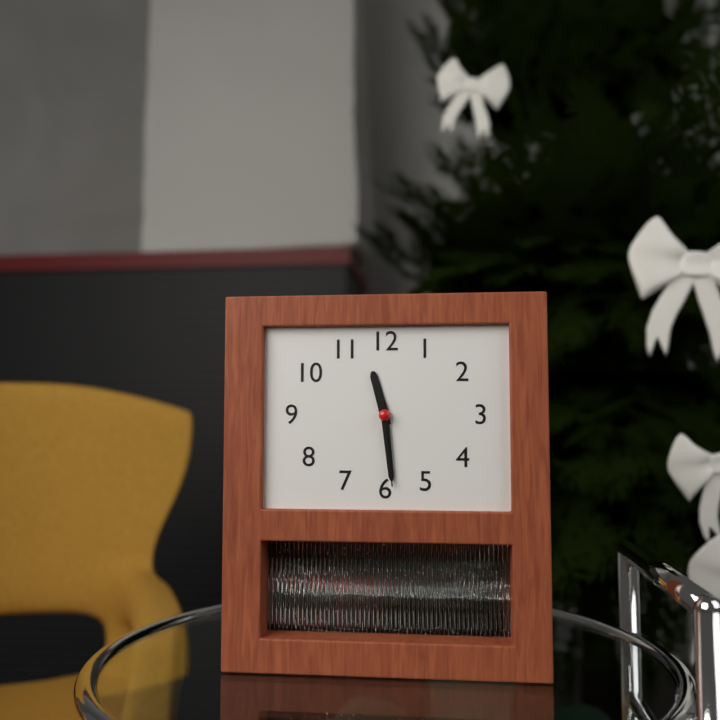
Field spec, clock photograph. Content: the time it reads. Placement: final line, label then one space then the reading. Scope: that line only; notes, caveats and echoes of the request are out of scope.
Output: 11:29:29
